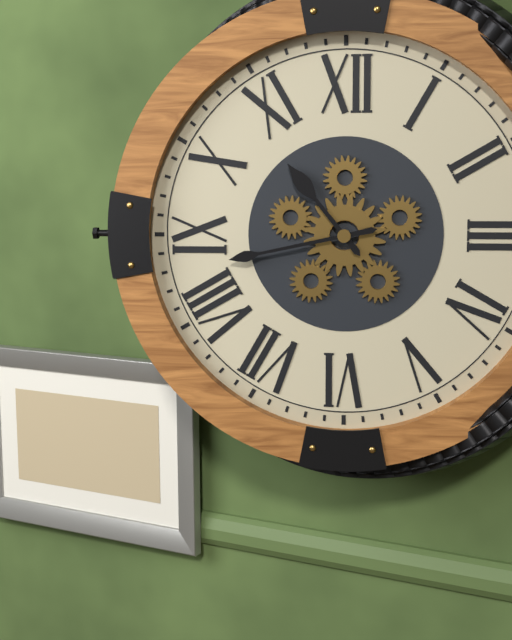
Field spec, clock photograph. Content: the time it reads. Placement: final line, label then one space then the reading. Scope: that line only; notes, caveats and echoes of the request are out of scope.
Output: 10:43
